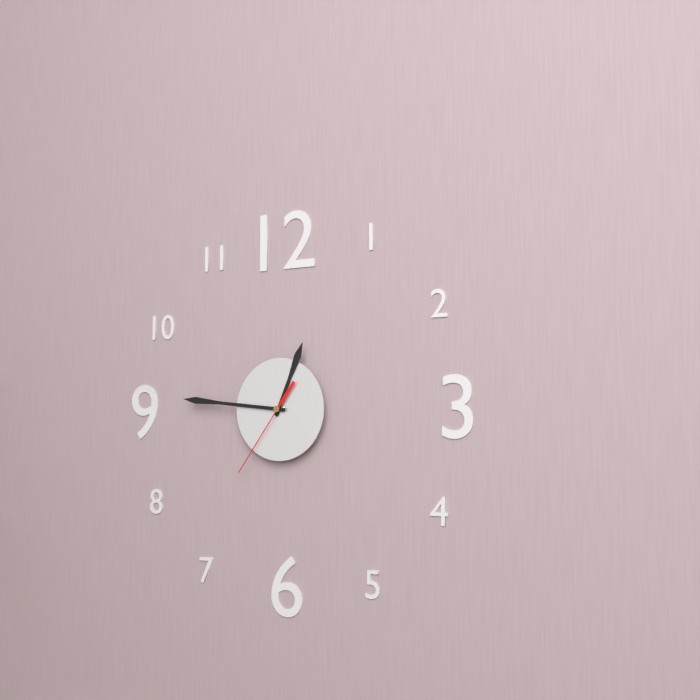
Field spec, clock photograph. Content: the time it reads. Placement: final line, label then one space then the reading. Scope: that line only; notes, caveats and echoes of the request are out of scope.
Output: 12:46:36
